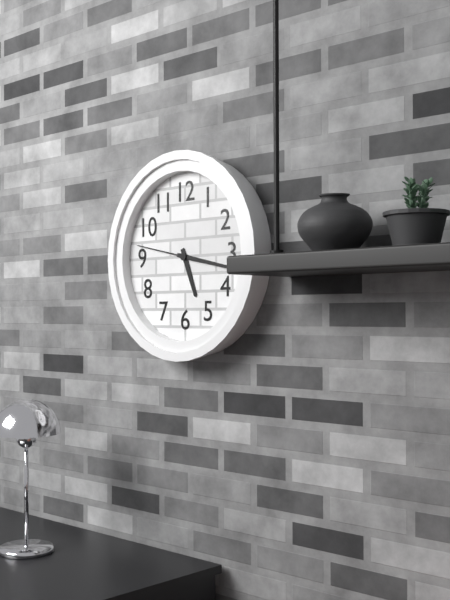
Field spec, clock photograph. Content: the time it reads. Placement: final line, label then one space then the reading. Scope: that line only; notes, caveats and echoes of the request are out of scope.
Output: 5:17:47
